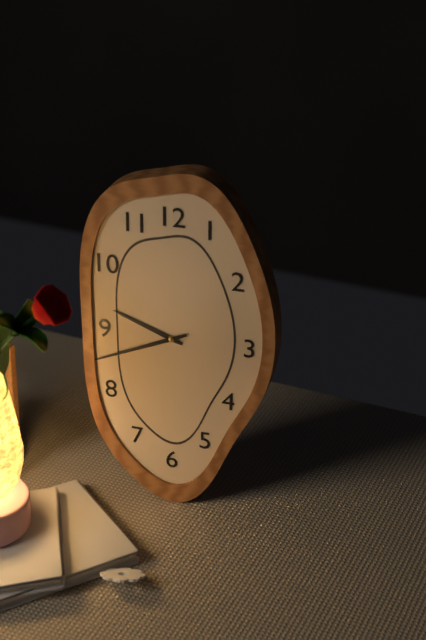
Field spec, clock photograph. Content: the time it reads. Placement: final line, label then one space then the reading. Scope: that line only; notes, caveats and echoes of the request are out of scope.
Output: 9:41
